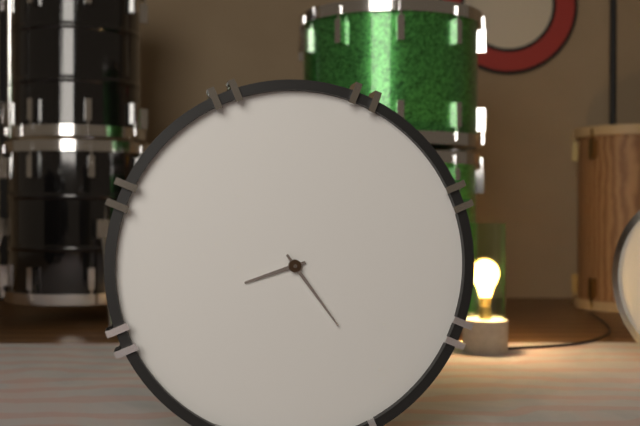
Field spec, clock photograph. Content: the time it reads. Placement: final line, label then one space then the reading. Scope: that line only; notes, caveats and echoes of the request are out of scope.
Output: 8:24
